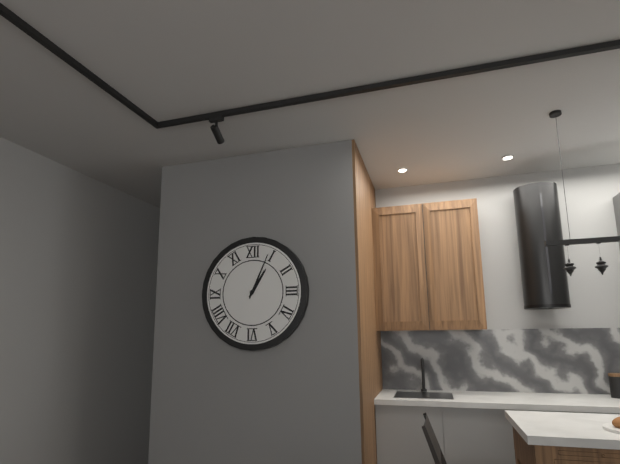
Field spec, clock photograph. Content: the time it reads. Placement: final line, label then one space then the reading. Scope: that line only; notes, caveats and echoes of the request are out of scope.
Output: 1:04
